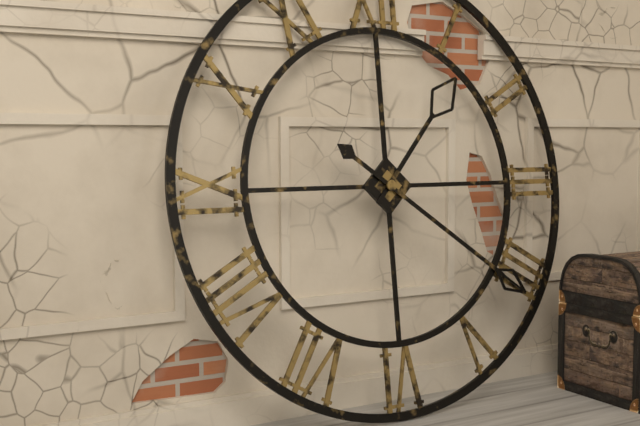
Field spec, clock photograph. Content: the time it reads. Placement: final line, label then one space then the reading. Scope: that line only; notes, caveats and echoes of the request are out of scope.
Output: 1:21
